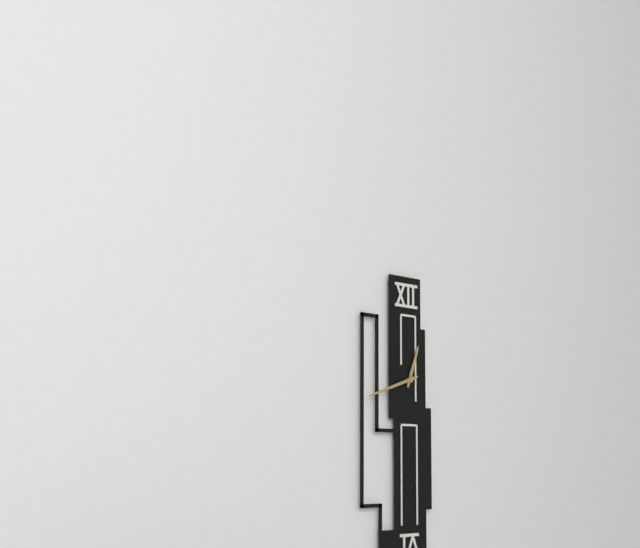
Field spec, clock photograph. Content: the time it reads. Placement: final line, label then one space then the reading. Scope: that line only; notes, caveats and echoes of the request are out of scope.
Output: 12:42
